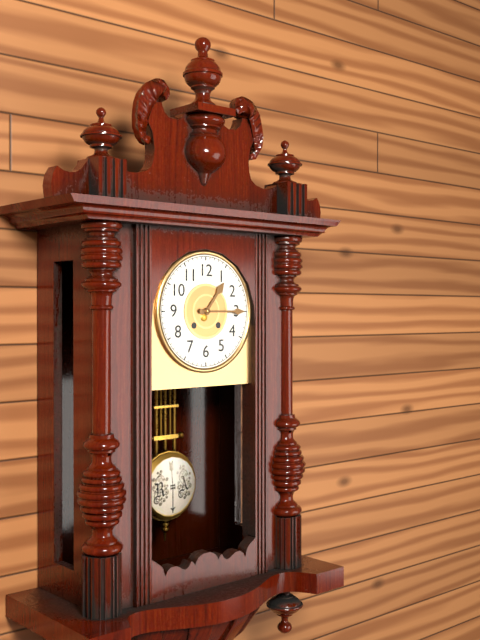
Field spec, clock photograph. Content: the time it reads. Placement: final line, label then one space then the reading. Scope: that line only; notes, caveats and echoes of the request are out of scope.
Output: 1:15
